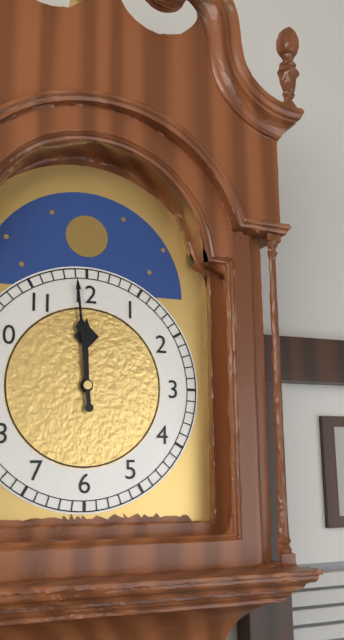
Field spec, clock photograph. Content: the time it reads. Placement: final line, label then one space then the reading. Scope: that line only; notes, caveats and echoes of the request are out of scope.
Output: 11:59
